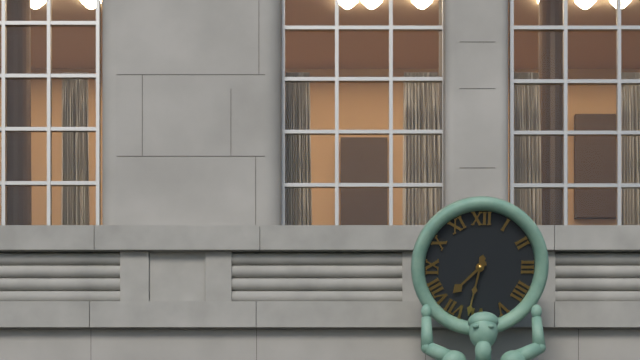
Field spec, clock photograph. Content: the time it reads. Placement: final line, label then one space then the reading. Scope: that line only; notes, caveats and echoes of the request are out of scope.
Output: 7:32
